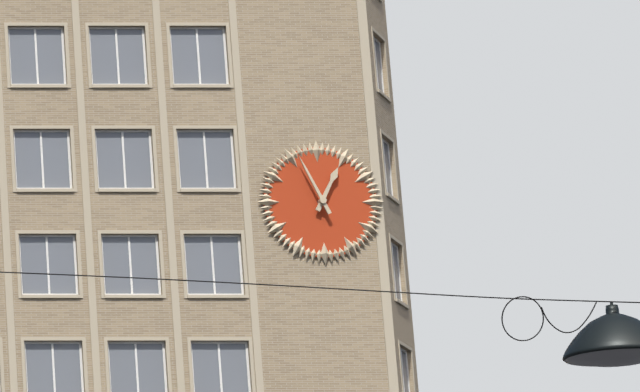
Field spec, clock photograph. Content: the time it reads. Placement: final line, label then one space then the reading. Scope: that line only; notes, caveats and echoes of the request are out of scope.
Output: 12:56
